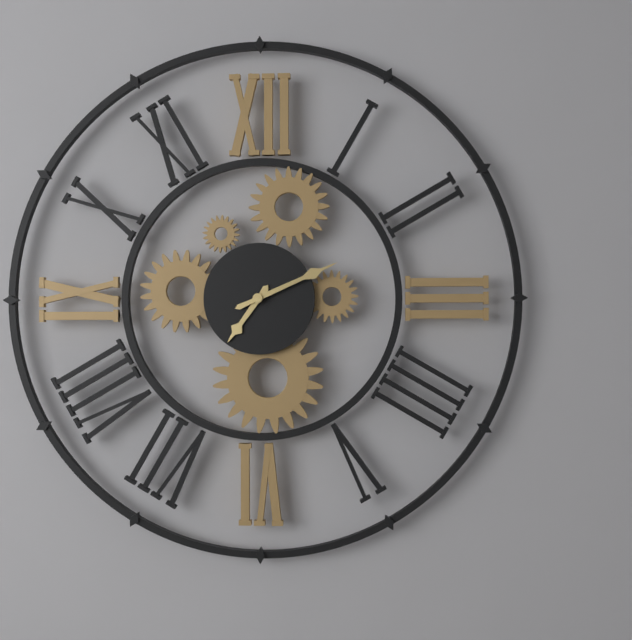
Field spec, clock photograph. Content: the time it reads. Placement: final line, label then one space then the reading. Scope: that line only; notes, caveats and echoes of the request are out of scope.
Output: 7:11
